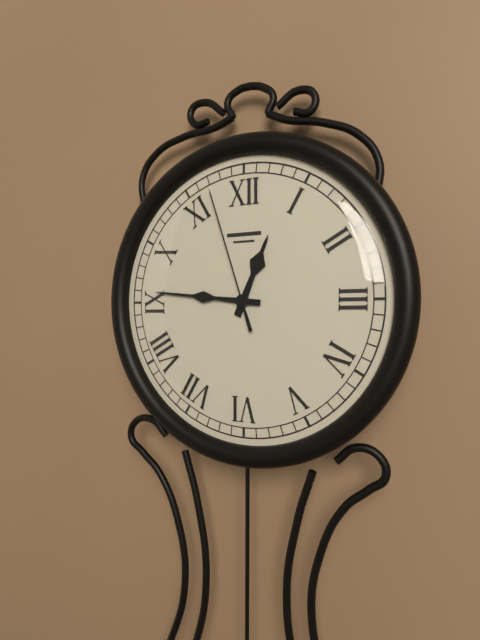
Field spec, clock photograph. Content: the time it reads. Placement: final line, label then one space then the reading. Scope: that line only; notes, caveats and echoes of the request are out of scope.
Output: 12:46:57
